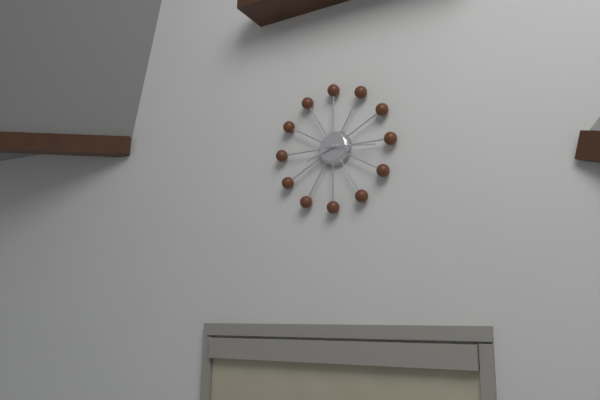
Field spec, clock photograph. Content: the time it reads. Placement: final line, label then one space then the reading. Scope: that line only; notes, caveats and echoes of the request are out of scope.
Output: 8:16
